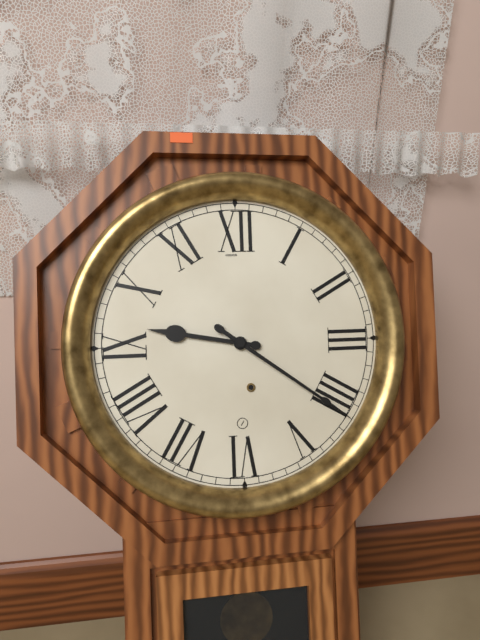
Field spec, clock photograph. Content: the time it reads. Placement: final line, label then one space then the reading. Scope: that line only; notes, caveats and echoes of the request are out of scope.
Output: 9:21
